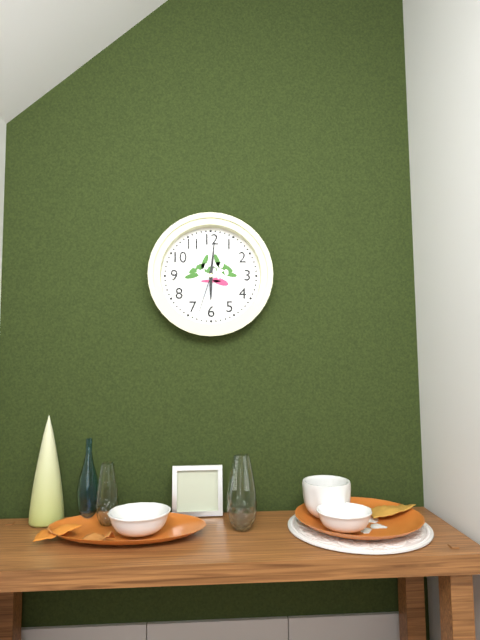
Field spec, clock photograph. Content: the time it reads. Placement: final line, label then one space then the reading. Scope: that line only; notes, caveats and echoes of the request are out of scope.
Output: 6:01:33
